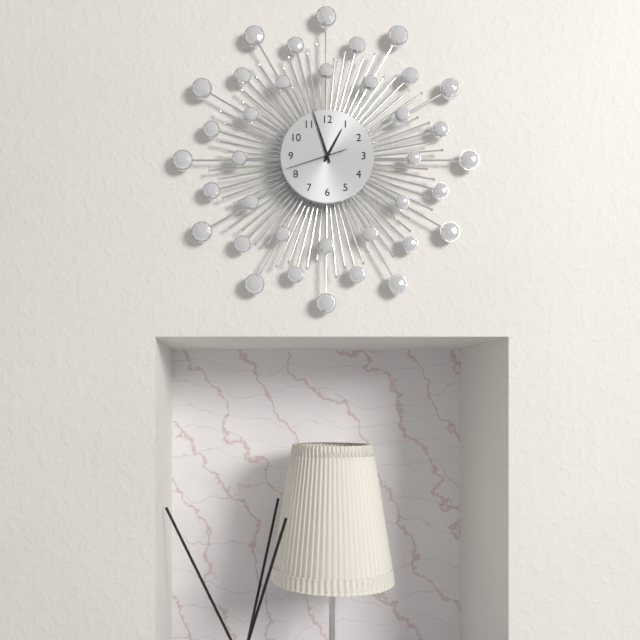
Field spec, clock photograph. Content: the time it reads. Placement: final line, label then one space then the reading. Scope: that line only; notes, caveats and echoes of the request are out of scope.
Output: 12:57:42
